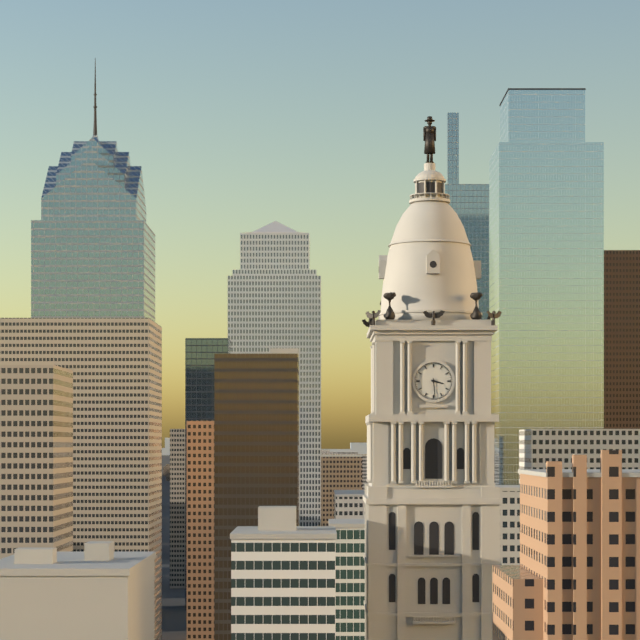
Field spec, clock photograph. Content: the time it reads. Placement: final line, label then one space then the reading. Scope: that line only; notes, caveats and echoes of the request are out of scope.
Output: 3:29
